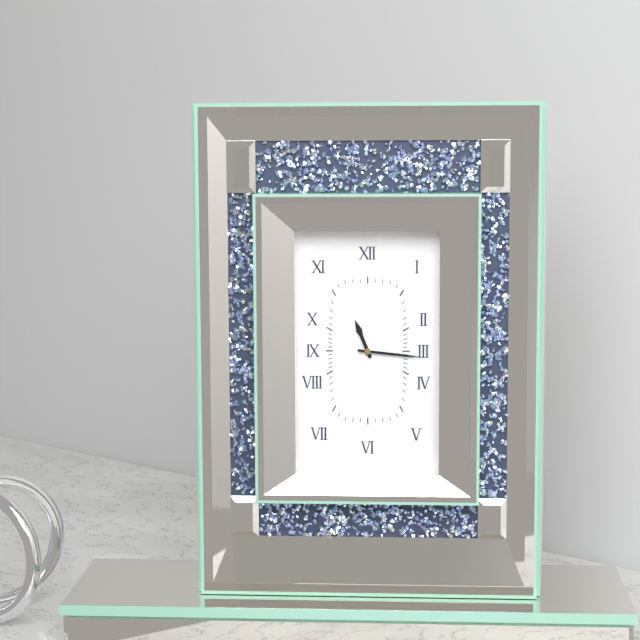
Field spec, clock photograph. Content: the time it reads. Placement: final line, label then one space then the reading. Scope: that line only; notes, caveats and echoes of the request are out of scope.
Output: 11:16
